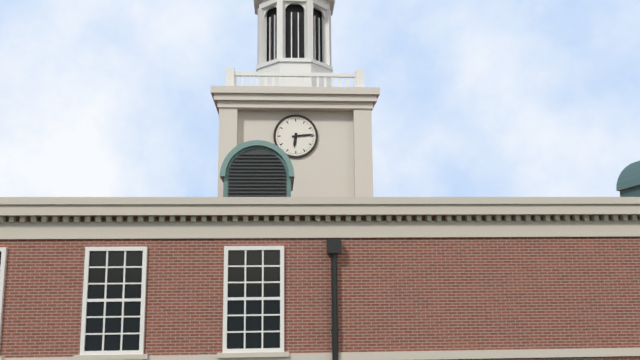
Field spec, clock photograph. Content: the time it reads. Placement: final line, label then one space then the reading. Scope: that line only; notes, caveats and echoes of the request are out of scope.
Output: 6:14
